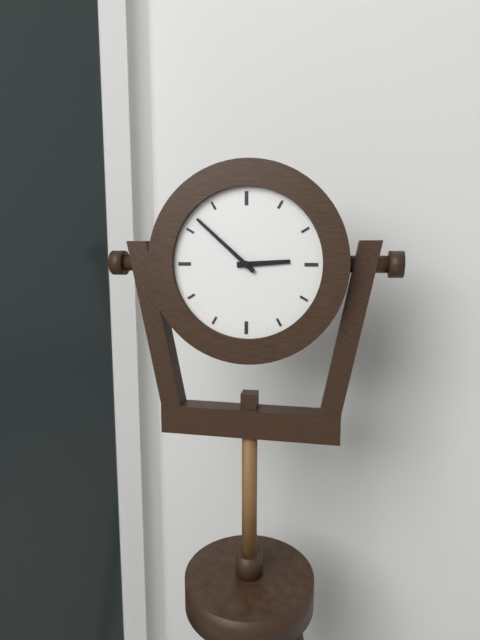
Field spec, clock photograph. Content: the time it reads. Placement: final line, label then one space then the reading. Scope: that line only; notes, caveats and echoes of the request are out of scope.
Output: 2:52
